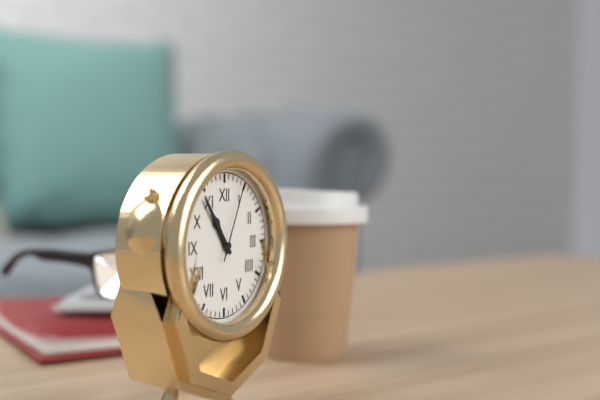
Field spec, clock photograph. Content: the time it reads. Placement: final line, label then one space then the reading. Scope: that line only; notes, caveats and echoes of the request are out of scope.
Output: 10:54:04
